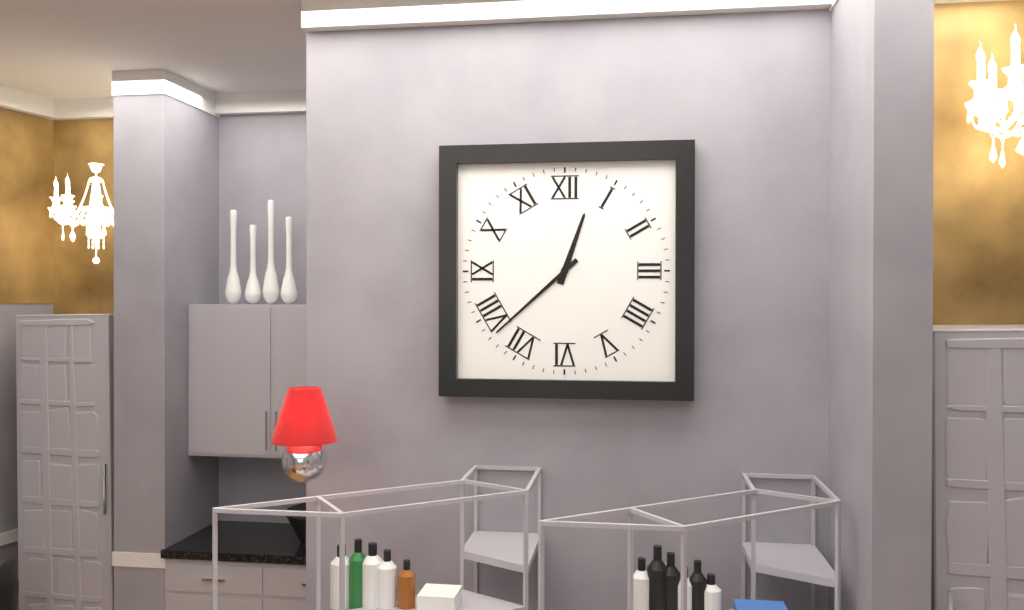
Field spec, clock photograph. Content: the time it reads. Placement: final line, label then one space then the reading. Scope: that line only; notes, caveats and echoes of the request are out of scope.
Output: 12:38
